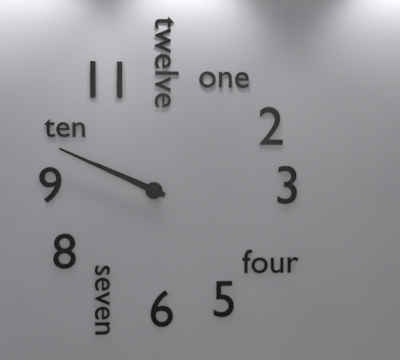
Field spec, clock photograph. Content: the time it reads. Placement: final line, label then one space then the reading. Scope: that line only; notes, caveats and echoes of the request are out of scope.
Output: 9:49
